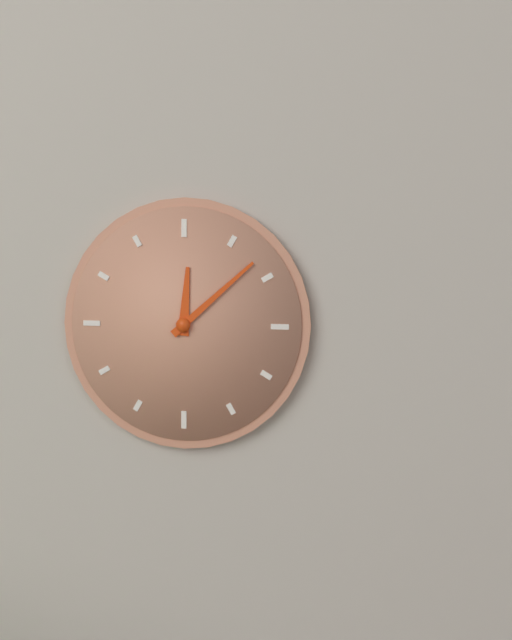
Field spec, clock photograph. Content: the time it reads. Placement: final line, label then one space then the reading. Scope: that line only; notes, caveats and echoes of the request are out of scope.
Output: 12:08
